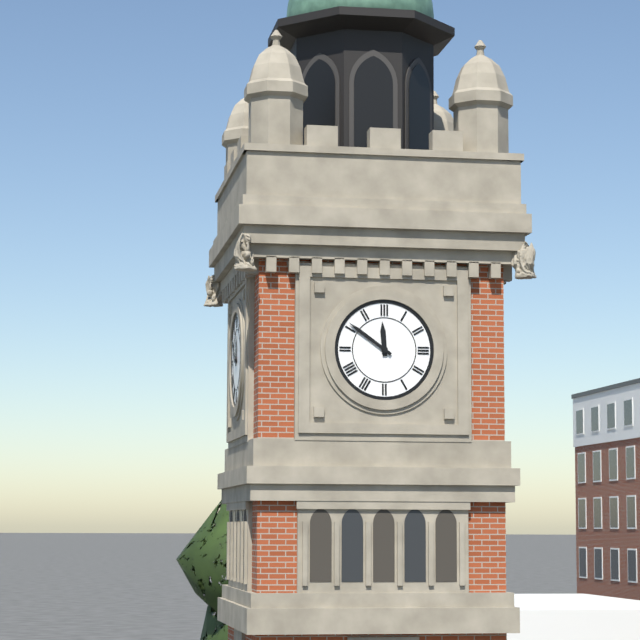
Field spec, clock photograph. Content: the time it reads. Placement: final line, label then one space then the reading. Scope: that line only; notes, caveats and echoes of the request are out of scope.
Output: 11:51
